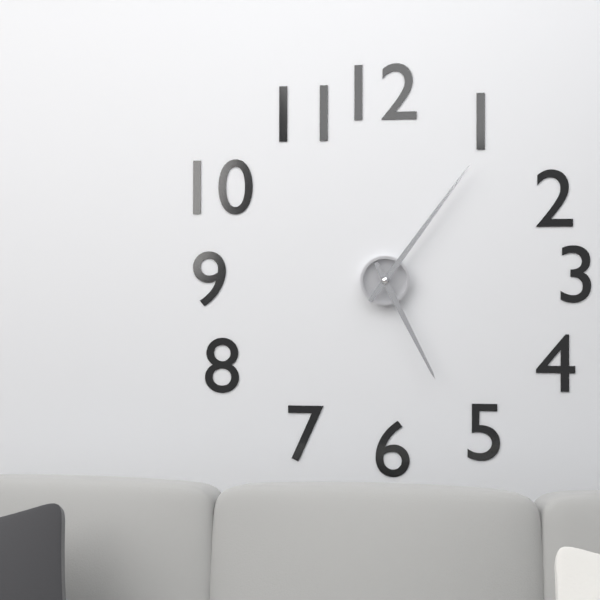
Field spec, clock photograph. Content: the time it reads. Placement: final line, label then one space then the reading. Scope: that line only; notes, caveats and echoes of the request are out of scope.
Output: 5:06
